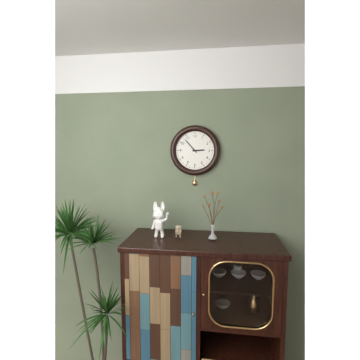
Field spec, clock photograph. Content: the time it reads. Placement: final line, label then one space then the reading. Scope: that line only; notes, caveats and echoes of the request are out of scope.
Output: 2:53
